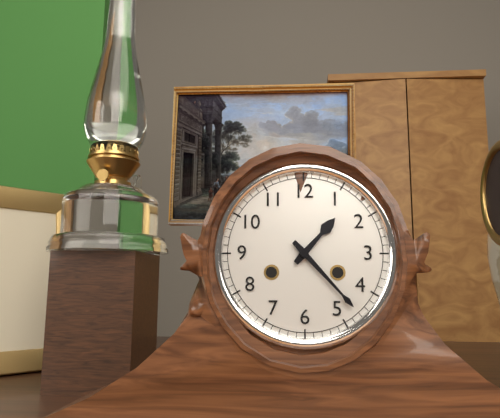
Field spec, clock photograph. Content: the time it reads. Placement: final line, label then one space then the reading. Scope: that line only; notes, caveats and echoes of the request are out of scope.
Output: 1:23
